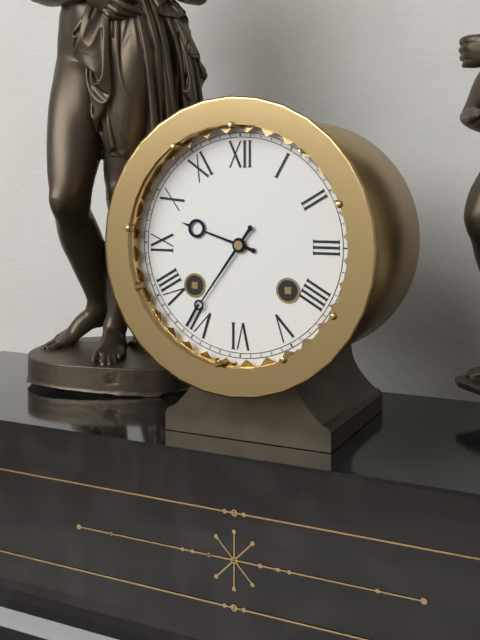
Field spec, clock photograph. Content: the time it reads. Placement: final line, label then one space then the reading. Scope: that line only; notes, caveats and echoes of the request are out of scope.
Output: 9:36
